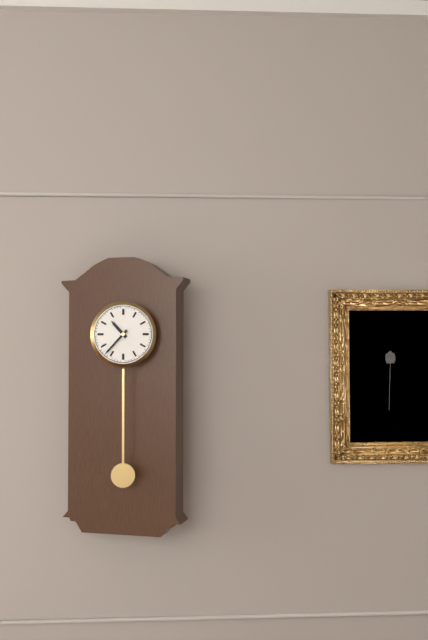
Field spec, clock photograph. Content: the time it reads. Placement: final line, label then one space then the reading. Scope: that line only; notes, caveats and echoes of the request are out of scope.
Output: 10:37
